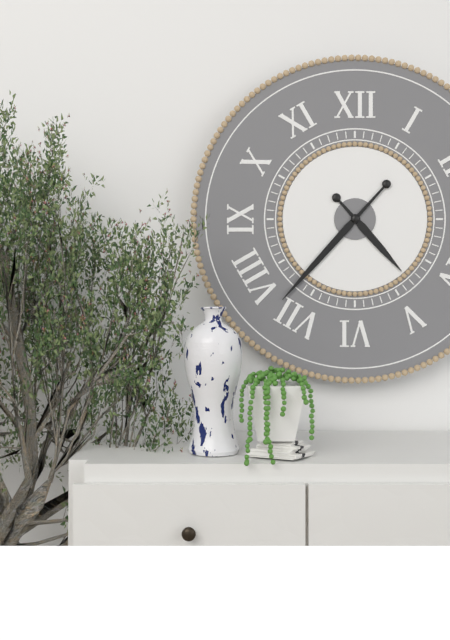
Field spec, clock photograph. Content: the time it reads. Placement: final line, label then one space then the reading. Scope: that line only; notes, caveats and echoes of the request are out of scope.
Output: 4:37
